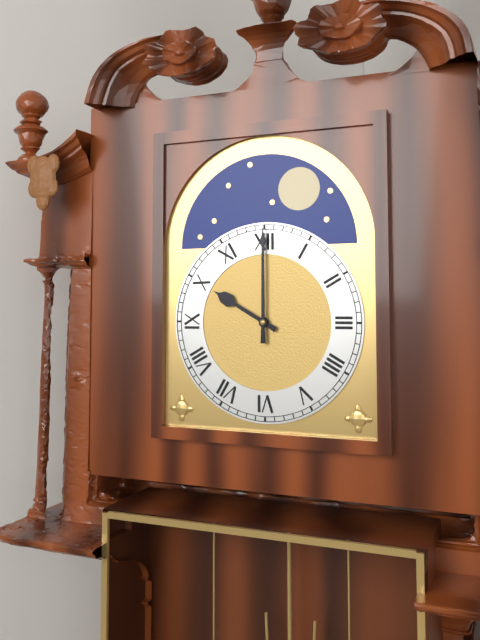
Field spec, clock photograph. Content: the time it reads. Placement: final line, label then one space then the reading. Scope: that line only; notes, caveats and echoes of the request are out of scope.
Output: 10:00
